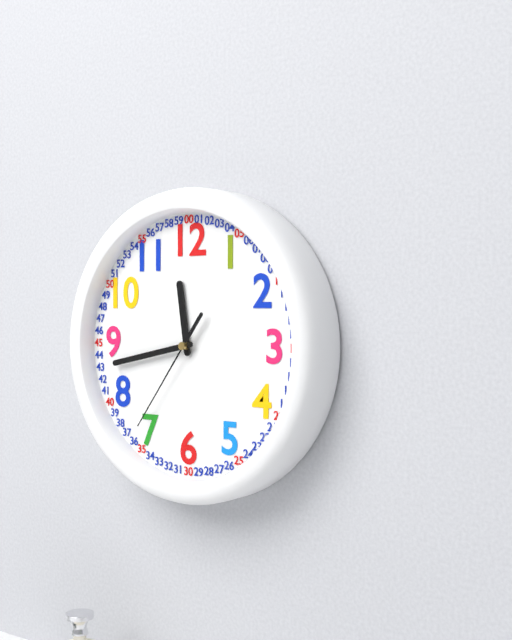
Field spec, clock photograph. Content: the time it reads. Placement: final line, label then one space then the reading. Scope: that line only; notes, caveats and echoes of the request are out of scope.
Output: 11:43:36
